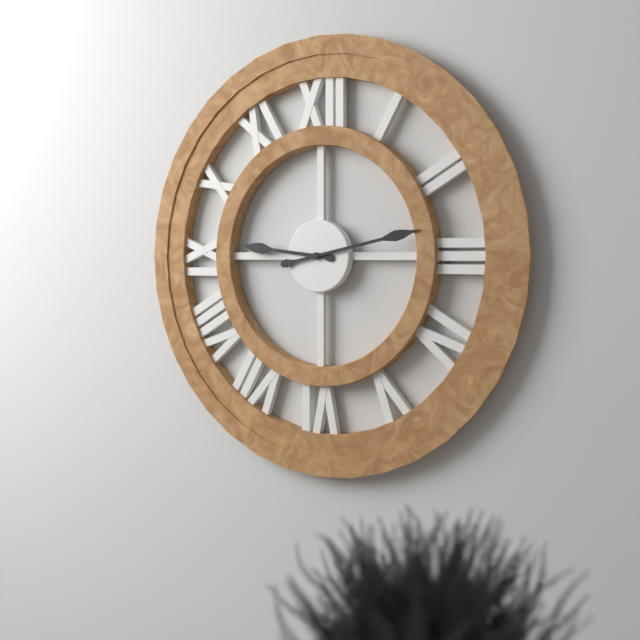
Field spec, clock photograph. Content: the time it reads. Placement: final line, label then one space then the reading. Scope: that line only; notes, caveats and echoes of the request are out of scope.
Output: 9:13
